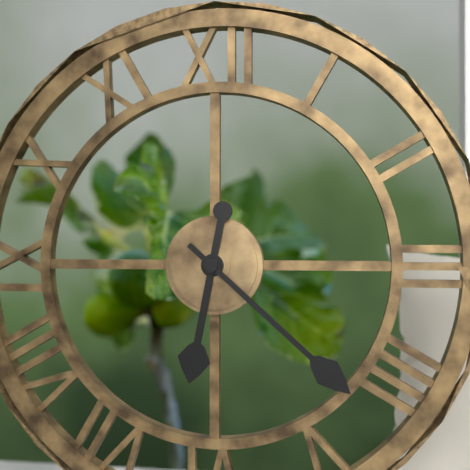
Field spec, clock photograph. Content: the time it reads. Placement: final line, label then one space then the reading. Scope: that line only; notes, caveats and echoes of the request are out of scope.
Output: 6:22
